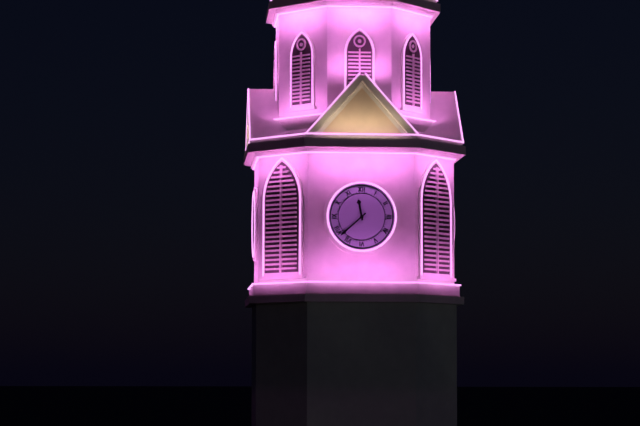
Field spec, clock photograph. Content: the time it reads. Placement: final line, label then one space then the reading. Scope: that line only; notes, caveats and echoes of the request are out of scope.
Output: 11:38
